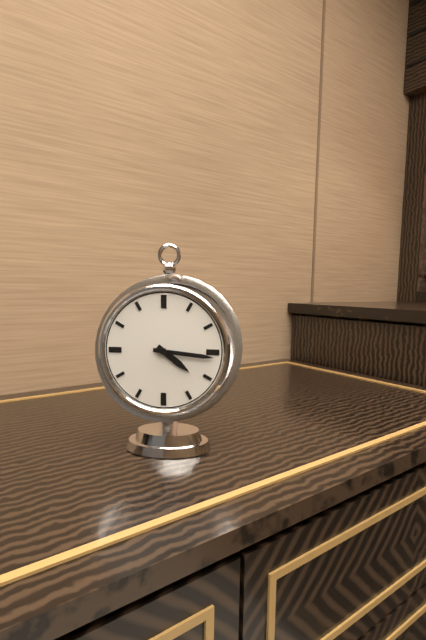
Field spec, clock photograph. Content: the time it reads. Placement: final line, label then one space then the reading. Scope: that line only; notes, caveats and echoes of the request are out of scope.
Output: 4:16
